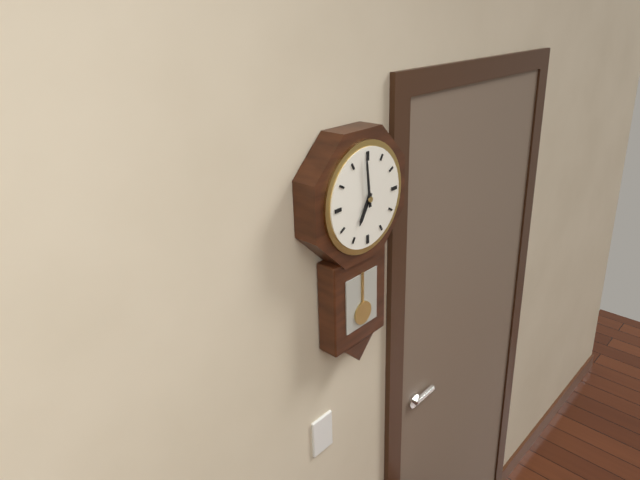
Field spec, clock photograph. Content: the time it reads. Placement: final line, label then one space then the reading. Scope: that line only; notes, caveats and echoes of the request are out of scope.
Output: 6:59
